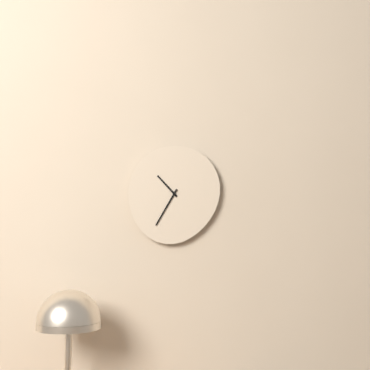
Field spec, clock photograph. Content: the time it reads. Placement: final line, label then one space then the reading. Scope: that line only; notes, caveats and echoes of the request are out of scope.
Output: 10:35
